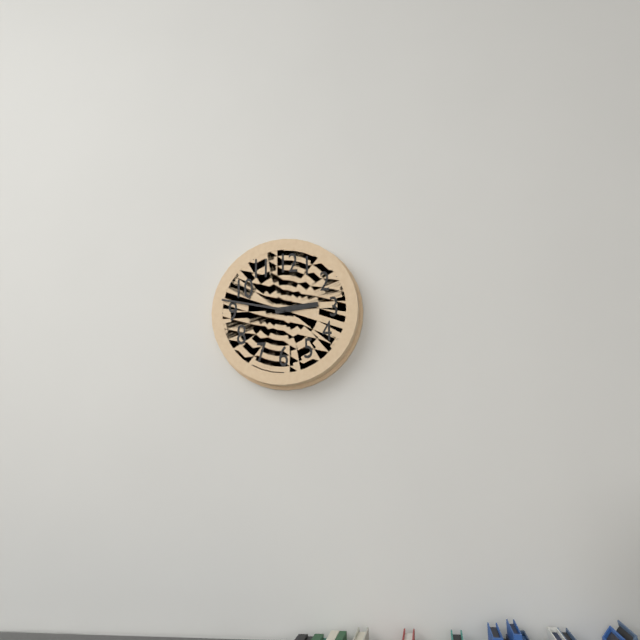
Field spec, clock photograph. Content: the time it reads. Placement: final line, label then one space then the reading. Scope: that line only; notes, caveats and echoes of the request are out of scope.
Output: 2:47
